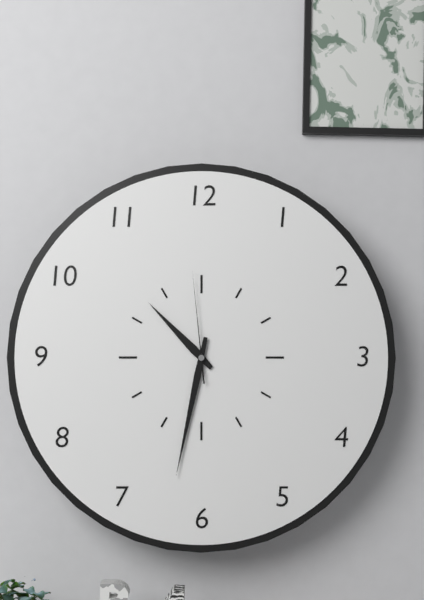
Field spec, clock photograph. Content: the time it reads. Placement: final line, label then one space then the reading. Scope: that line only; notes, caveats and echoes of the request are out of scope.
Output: 10:32:59
